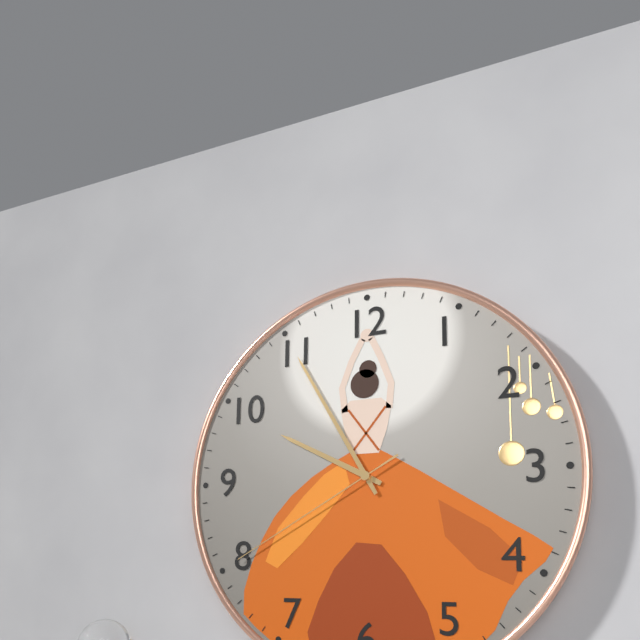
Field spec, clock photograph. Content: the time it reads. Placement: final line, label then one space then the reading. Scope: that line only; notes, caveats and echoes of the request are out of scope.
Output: 9:55:40
